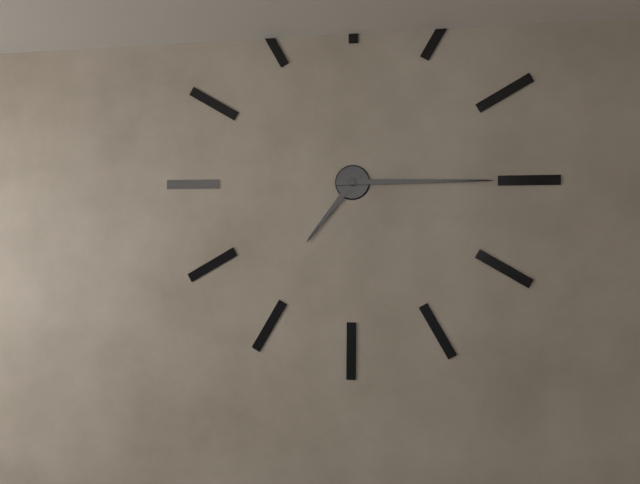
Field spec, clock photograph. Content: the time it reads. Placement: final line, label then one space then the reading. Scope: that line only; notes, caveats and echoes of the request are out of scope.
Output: 7:15
